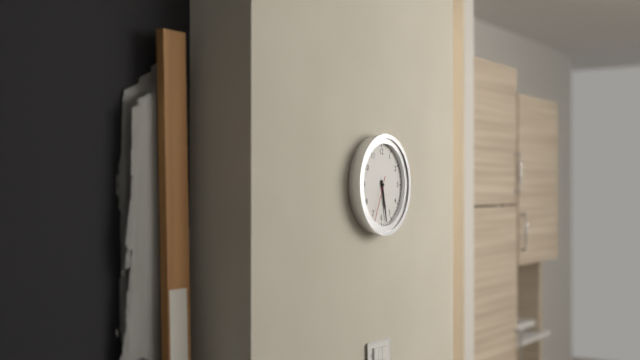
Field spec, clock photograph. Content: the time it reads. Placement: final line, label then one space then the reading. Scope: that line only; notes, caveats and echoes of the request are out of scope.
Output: 5:28
